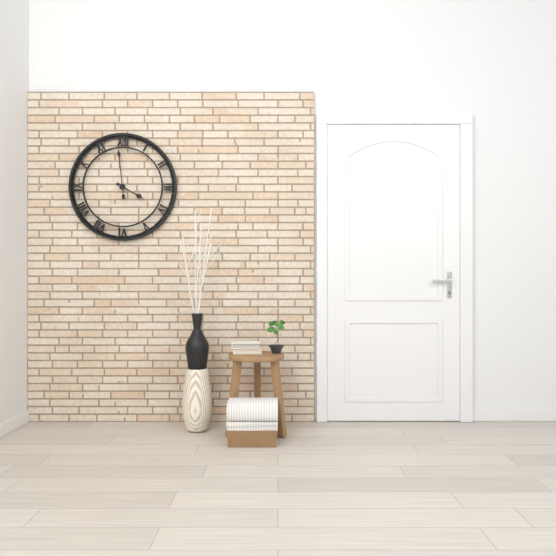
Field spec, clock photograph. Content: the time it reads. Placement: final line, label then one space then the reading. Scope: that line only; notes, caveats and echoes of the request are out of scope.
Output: 3:59
